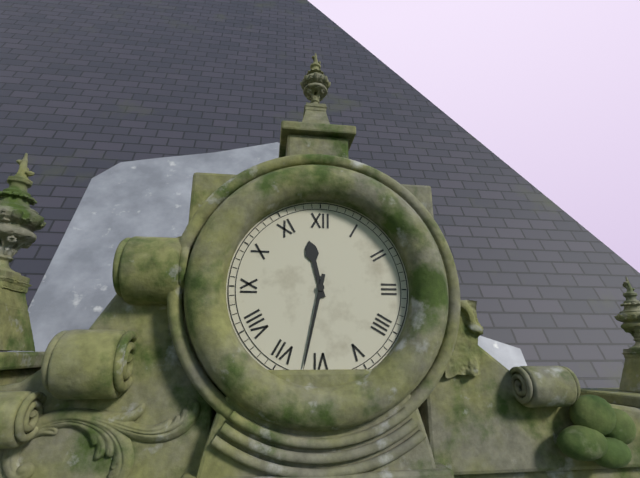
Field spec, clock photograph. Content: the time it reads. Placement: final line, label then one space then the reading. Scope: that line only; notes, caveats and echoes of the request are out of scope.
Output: 11:32
